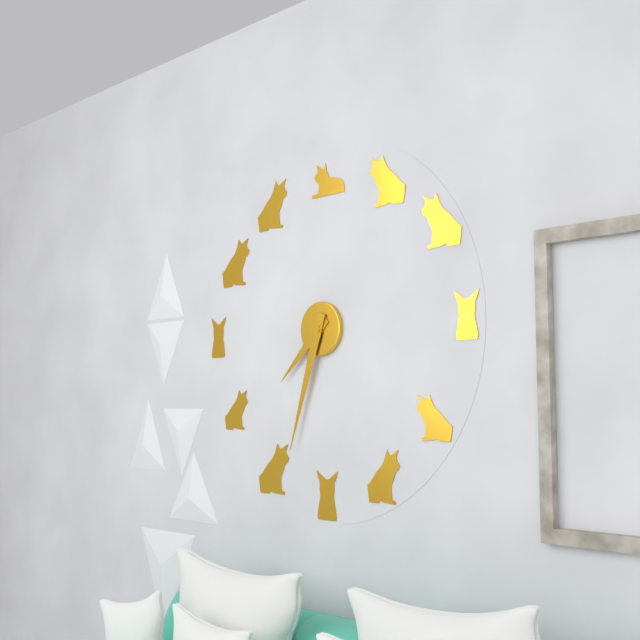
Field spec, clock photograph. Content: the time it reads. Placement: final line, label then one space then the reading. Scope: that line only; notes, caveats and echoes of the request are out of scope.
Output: 7:33
